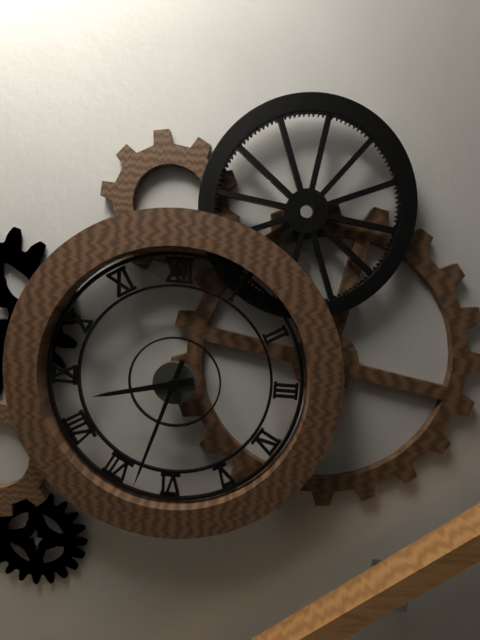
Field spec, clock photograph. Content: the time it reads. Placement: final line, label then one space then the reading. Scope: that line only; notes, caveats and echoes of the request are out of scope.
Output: 8:33
